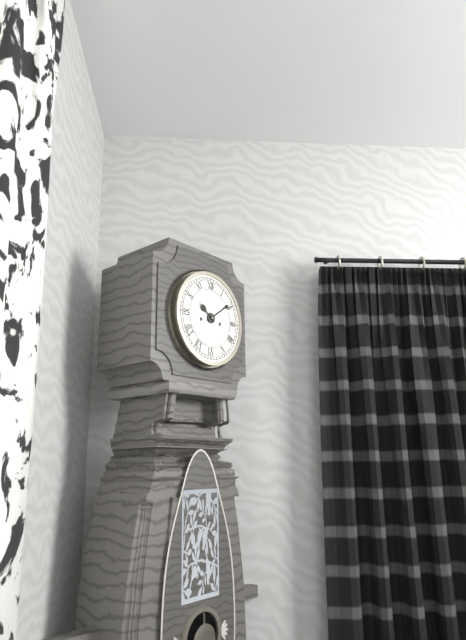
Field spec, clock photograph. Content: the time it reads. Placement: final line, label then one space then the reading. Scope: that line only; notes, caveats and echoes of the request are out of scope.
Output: 10:09
